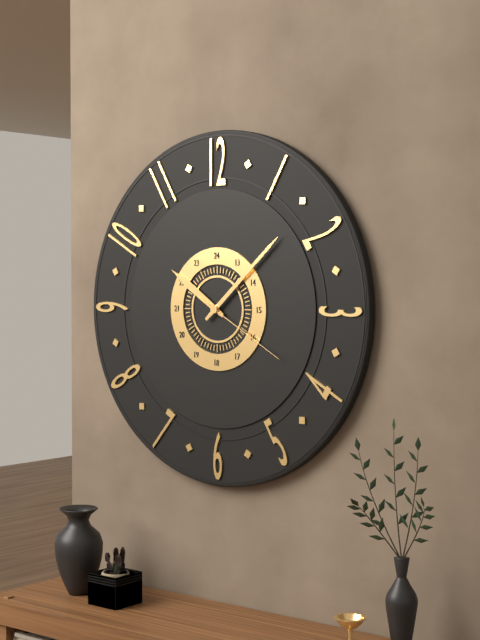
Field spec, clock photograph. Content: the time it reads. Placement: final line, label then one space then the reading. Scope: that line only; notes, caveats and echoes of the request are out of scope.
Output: 10:08:20
